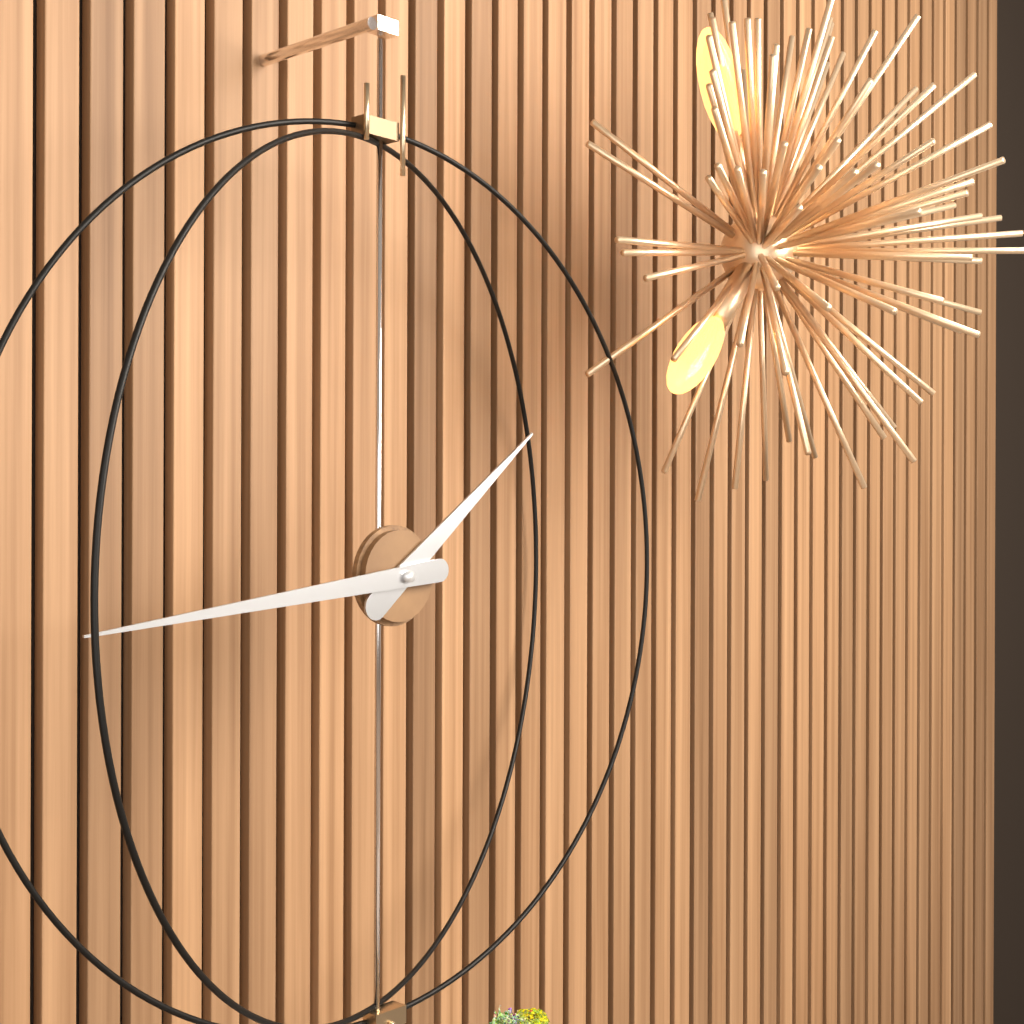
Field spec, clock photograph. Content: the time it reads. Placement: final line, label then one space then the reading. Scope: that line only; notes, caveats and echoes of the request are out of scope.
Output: 1:44
